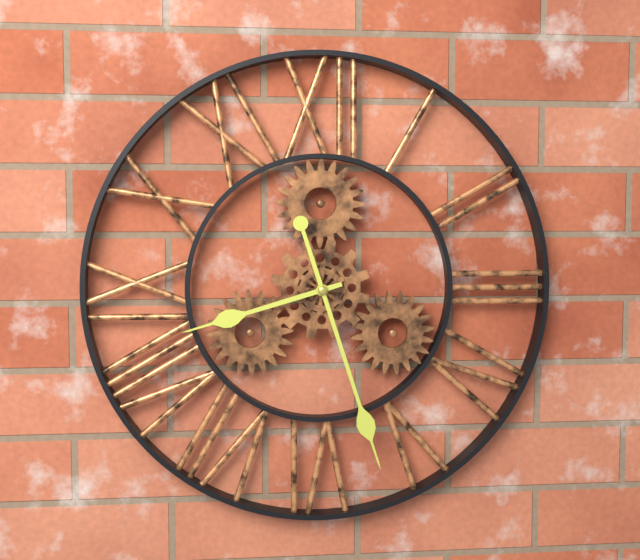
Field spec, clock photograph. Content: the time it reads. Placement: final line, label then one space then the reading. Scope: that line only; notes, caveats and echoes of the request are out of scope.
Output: 8:27
